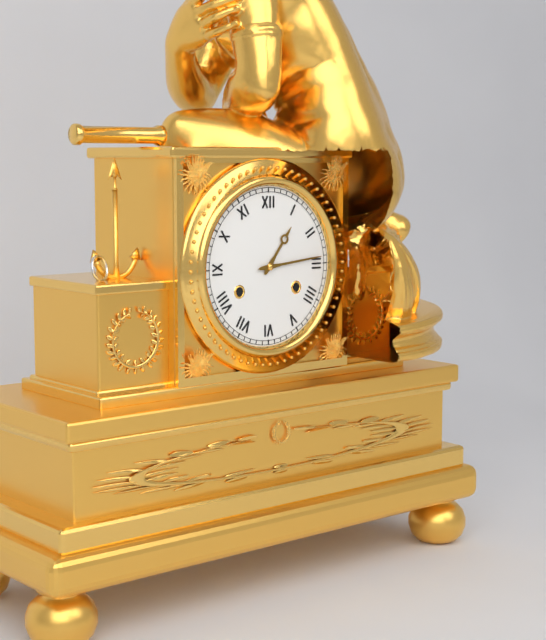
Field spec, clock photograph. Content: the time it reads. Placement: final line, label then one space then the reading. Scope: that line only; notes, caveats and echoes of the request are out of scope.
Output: 1:14
